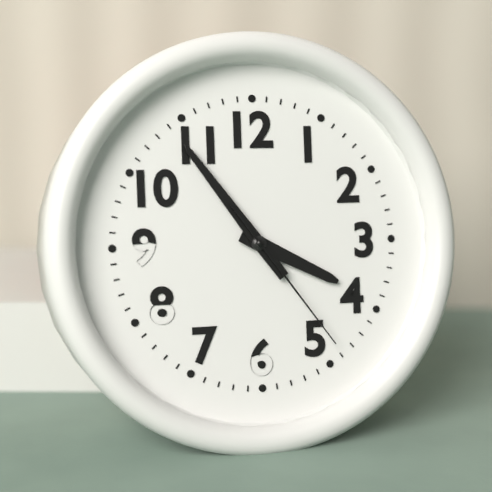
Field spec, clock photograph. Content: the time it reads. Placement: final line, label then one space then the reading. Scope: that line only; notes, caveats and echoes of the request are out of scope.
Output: 3:54:24
